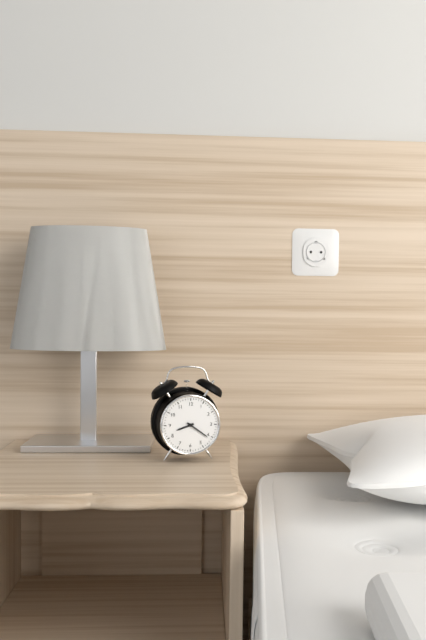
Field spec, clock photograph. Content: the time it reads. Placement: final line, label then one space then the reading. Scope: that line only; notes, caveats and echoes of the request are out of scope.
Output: 8:21
